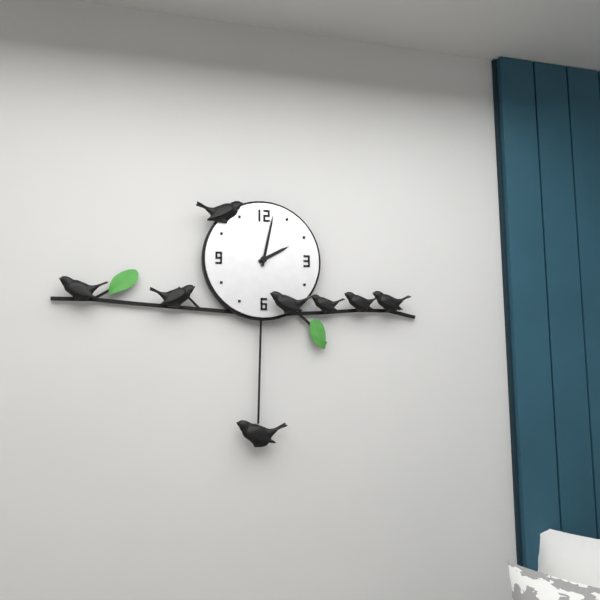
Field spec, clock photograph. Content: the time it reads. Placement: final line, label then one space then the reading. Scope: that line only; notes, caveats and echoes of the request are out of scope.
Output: 2:02
